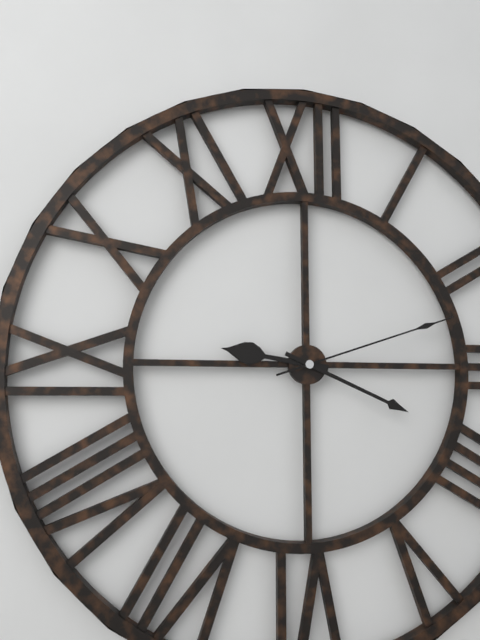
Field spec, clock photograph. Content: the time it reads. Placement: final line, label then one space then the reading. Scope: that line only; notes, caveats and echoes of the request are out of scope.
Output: 9:19:12
